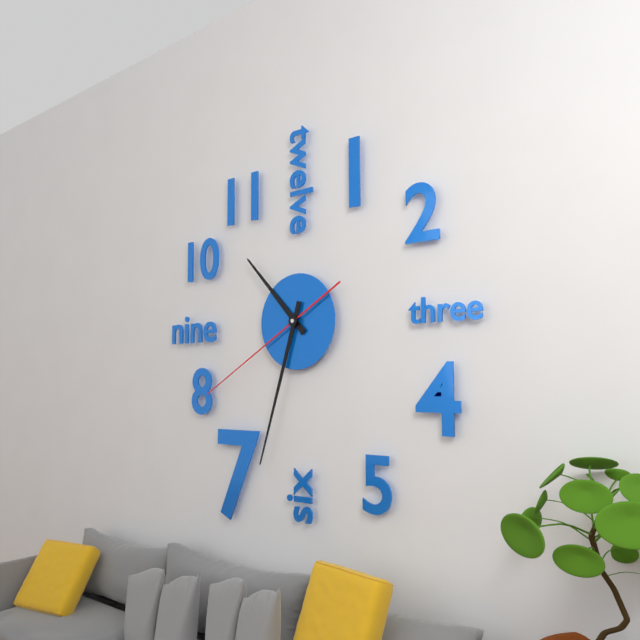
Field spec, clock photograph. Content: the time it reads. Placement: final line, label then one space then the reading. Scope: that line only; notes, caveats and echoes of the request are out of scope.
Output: 10:33:40
